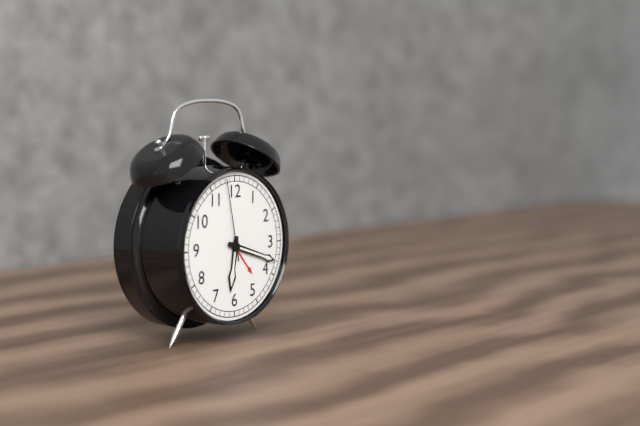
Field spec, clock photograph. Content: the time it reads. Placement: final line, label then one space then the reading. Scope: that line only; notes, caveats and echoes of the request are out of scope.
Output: 6:18:58
